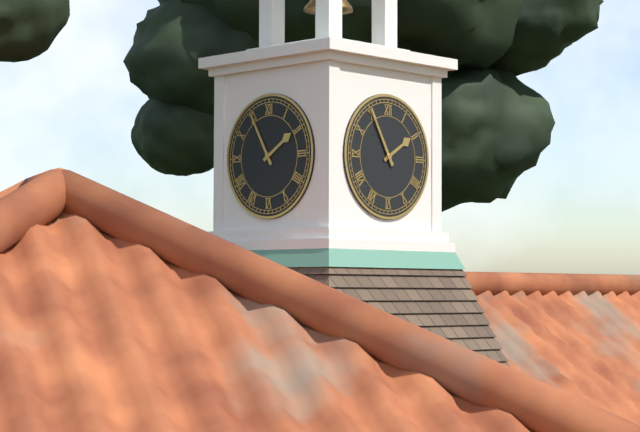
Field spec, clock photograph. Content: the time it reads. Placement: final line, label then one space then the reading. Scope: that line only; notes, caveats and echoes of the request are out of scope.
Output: 1:55
